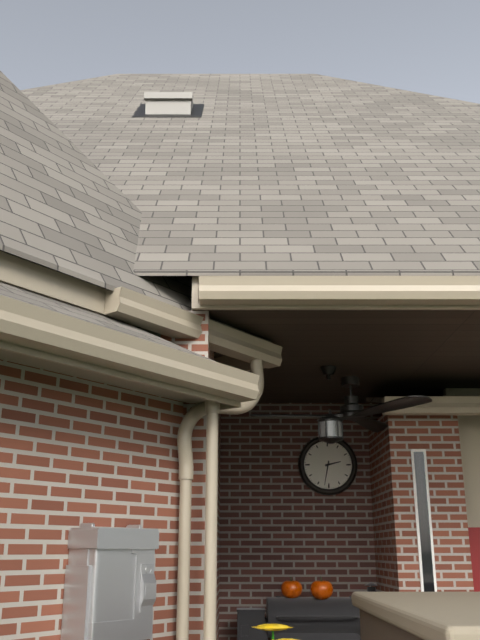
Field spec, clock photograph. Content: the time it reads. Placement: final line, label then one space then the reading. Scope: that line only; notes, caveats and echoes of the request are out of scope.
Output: 2:32
